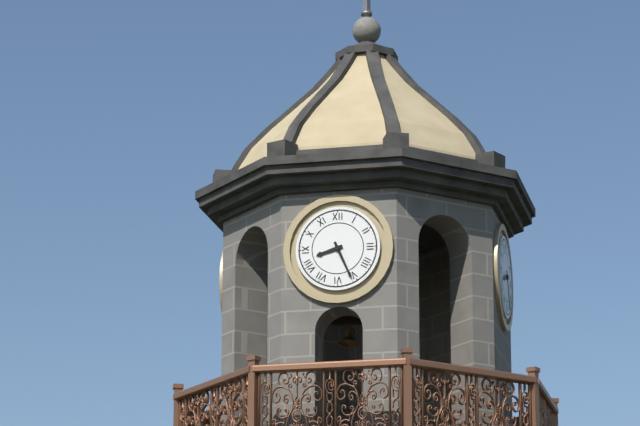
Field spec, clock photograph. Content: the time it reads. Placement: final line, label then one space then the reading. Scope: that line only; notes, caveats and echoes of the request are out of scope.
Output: 8:26
